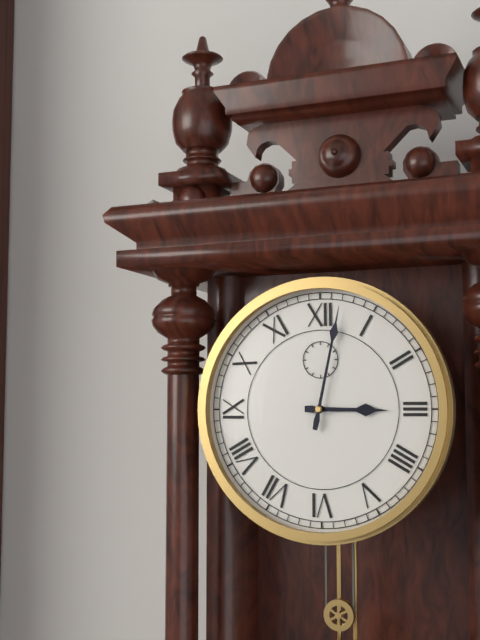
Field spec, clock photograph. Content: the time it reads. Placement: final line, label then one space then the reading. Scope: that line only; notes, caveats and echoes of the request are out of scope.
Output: 3:02
